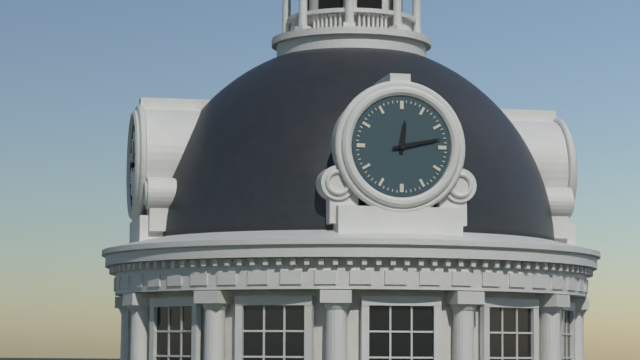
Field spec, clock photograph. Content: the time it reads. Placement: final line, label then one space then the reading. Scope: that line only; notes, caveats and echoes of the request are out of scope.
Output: 12:13
